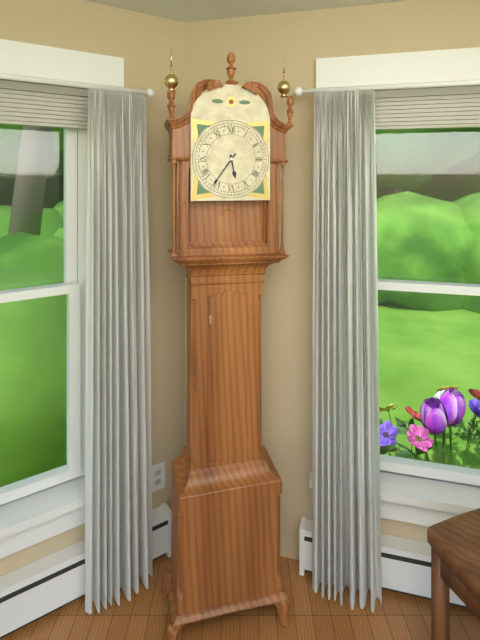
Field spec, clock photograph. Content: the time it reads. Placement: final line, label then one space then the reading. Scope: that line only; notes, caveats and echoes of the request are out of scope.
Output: 5:36
